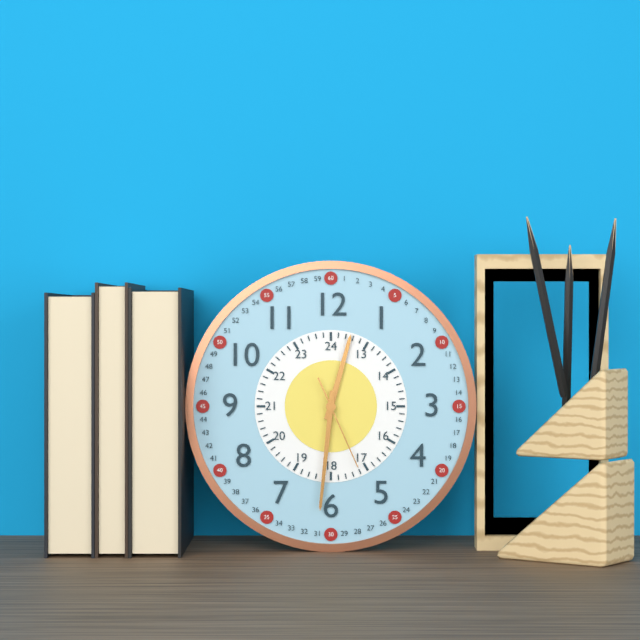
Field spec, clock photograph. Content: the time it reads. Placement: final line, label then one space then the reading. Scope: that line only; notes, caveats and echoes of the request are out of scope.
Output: 12:31:26
